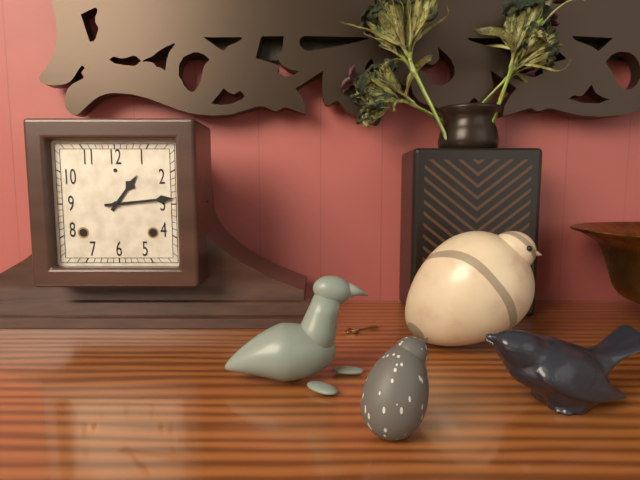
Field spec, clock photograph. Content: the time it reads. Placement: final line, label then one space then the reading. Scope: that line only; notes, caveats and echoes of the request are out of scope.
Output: 1:14
